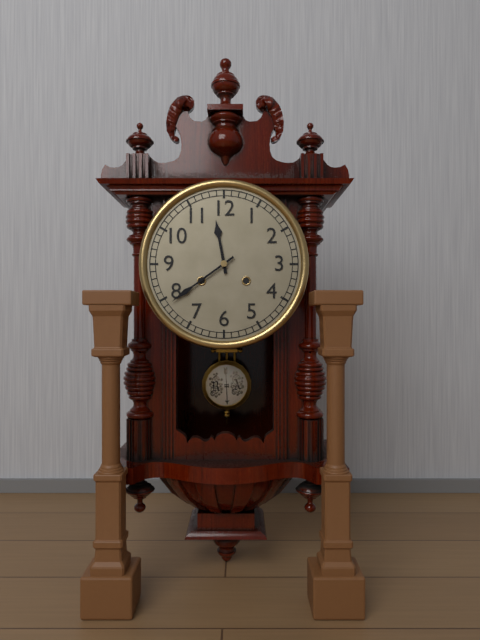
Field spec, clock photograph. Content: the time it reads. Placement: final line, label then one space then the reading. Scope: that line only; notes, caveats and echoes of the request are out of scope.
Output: 11:39
